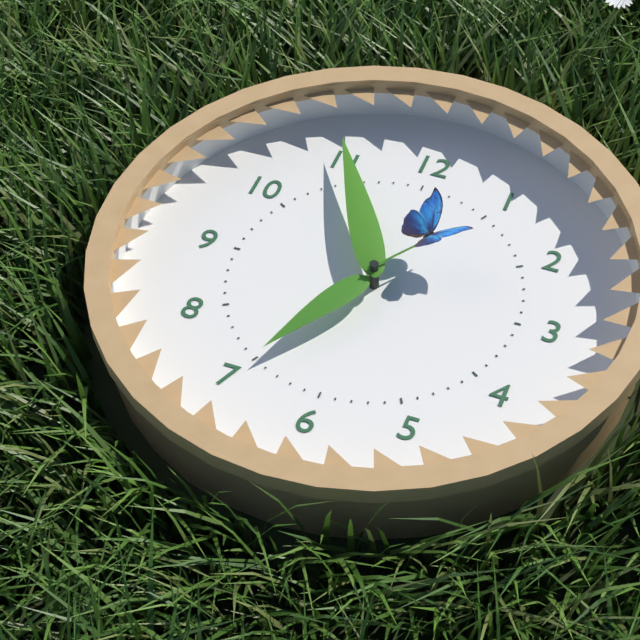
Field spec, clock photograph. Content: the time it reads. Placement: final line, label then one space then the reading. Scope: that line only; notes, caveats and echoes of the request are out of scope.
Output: 6:55:06
